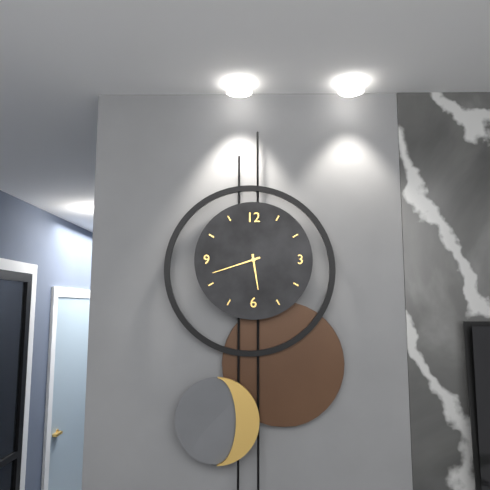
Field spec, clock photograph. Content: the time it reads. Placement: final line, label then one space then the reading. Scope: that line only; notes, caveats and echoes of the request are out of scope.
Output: 5:42
